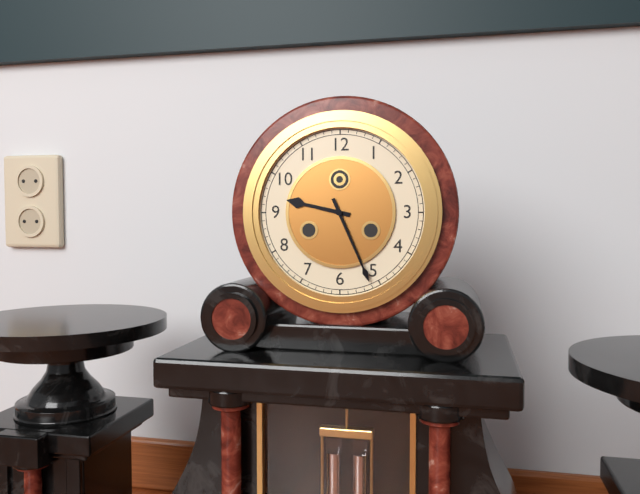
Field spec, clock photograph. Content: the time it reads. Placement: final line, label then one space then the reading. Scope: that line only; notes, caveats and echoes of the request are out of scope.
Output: 9:26
